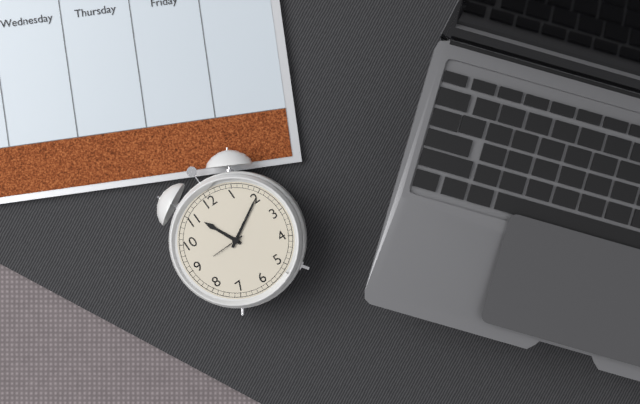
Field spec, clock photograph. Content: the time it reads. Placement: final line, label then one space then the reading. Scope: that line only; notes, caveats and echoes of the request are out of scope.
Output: 11:10
